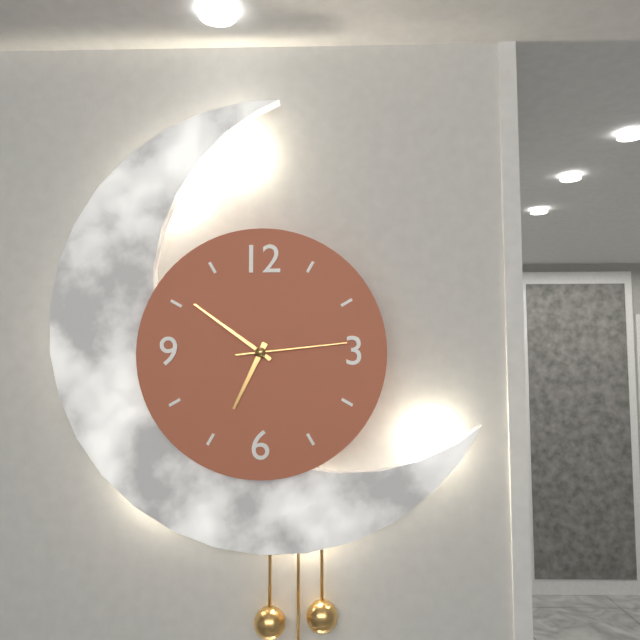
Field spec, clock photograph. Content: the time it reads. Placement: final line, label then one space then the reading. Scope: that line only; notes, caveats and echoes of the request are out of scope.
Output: 6:51:14
